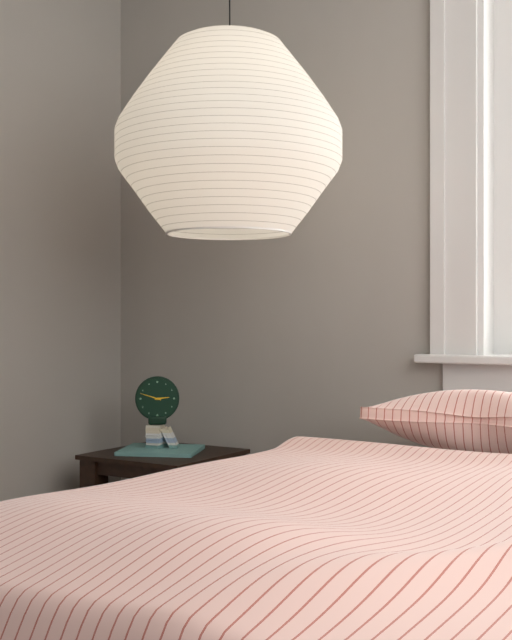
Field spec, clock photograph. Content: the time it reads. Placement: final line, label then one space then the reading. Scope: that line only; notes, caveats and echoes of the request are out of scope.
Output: 2:48
